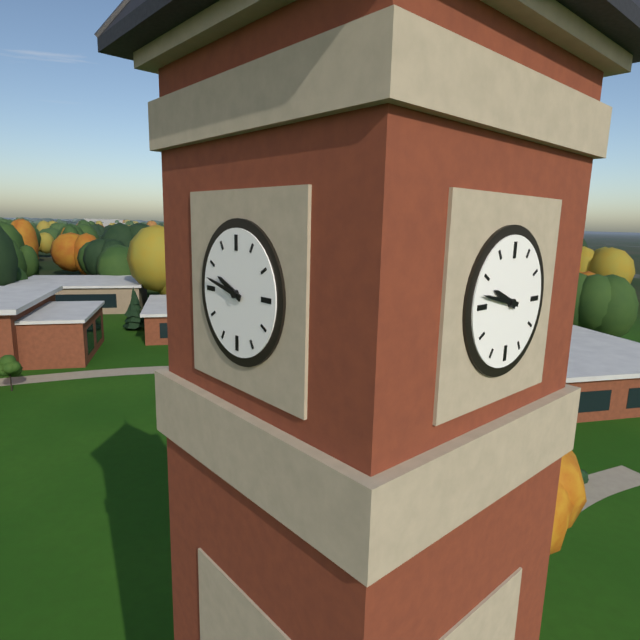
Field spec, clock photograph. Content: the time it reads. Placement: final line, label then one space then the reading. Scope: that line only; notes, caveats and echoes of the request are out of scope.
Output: 9:47
